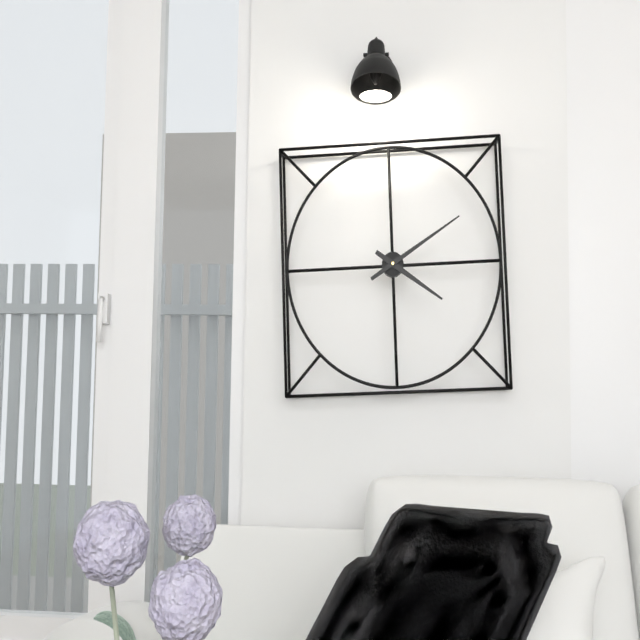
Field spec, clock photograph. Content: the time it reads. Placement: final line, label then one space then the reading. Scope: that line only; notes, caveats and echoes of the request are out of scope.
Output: 4:10
